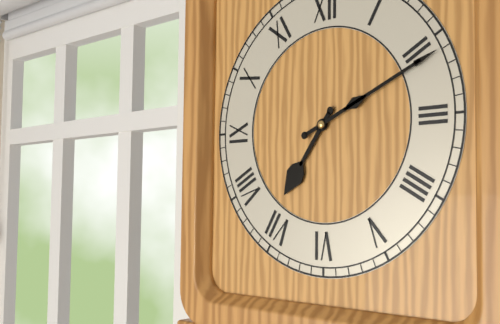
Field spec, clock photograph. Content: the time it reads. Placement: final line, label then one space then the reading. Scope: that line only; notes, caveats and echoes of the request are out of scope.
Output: 7:11
